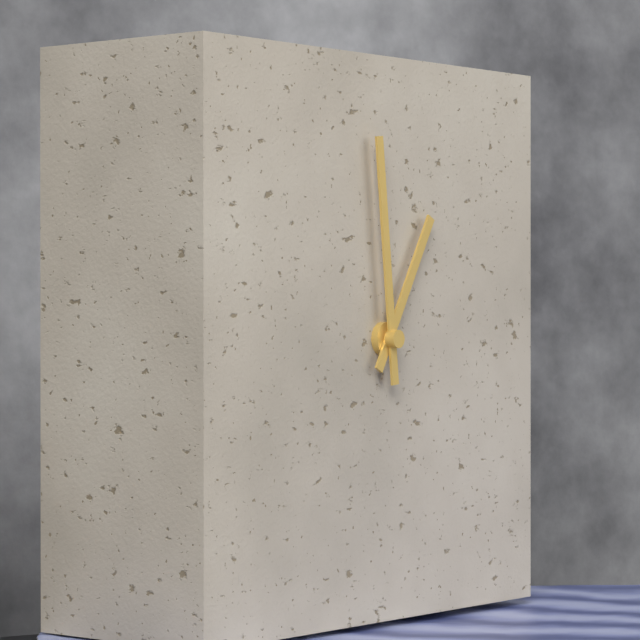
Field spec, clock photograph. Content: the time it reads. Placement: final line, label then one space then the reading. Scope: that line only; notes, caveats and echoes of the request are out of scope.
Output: 12:59
